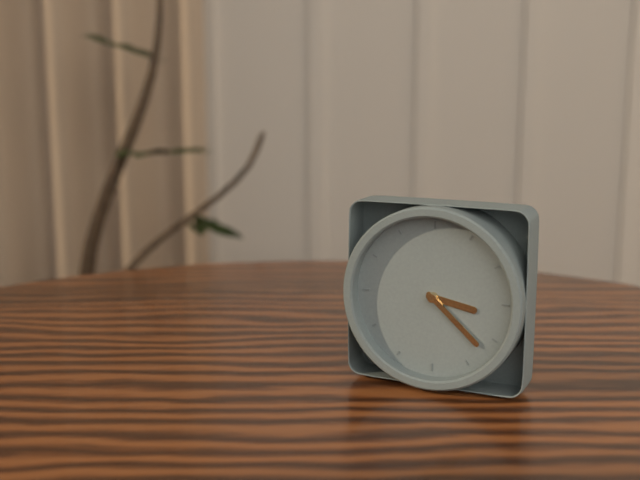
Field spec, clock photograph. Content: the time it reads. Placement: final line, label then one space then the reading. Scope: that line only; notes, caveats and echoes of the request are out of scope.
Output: 3:22
